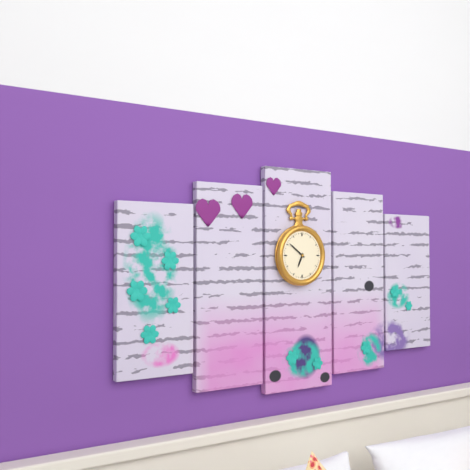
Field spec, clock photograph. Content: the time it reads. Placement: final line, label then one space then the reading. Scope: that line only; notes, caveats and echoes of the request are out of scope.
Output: 6:51
